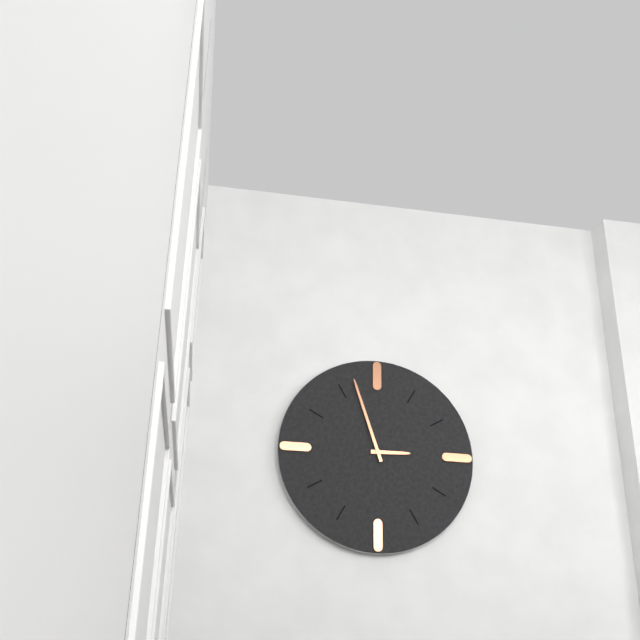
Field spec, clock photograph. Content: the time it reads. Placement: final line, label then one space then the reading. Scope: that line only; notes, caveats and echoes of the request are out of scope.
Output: 2:57
